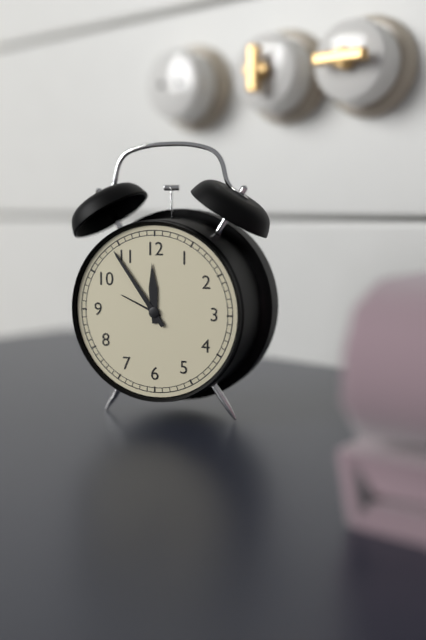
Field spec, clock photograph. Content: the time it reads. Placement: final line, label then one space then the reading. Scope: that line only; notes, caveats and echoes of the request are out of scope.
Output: 11:54
